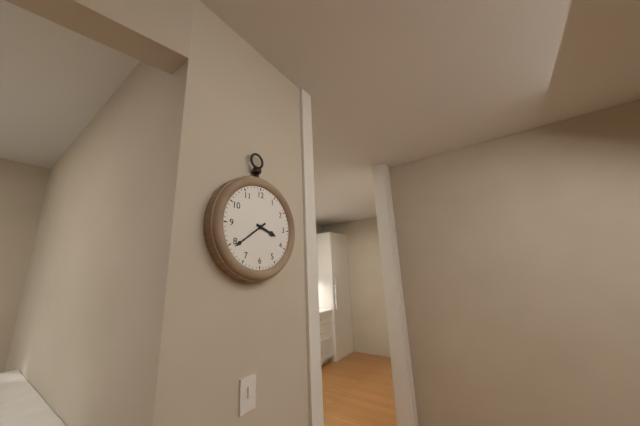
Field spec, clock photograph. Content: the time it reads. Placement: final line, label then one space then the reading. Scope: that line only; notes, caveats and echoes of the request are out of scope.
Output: 3:39
